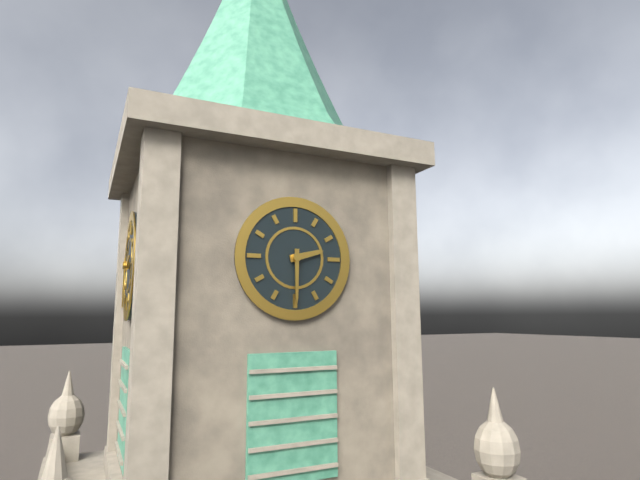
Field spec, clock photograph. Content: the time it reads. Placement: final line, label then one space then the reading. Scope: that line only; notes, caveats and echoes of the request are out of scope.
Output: 2:30
